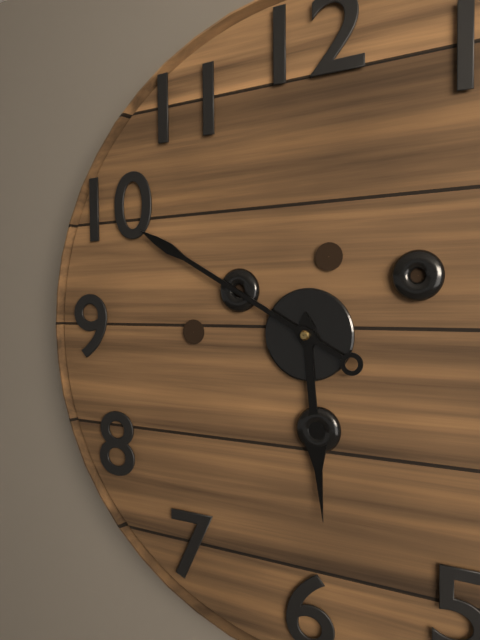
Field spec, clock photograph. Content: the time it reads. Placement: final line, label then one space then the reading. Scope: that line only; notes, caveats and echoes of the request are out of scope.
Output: 5:50
